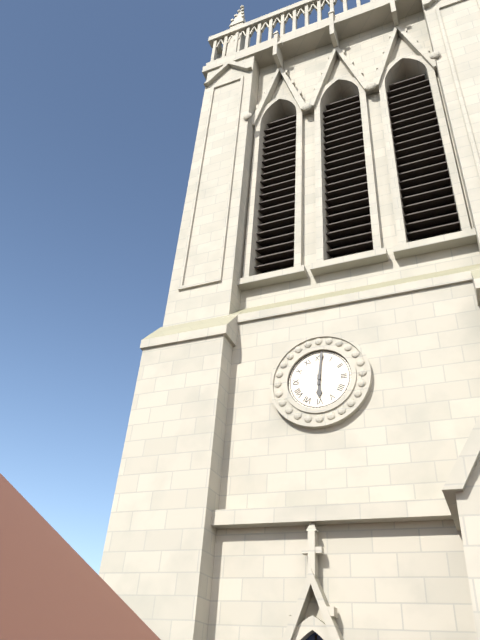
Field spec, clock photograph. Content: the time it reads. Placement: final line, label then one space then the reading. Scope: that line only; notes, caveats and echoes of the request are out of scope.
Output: 6:01
